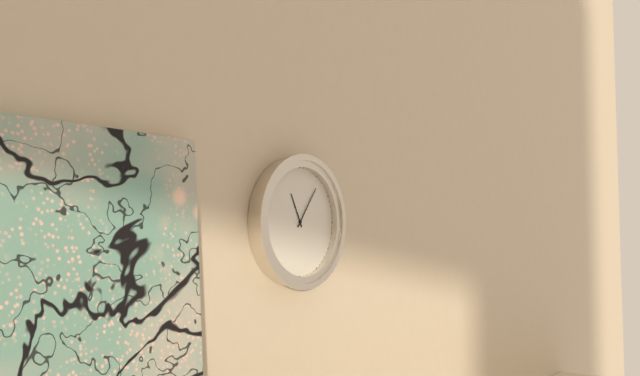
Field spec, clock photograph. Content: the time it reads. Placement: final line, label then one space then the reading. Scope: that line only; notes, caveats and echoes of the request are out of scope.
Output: 11:06
